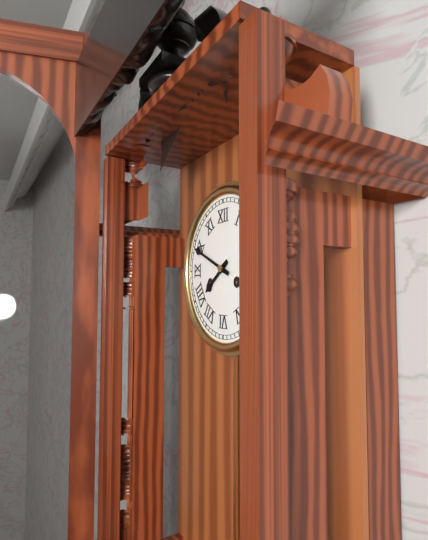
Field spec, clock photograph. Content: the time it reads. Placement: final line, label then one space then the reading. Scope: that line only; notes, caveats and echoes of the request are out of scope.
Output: 7:49
